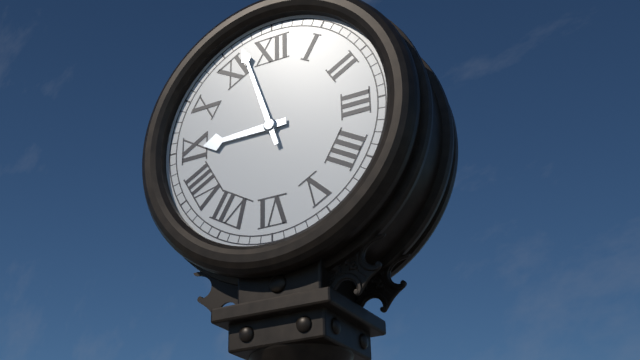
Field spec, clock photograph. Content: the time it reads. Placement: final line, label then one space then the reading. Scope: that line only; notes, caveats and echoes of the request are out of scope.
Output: 8:57
